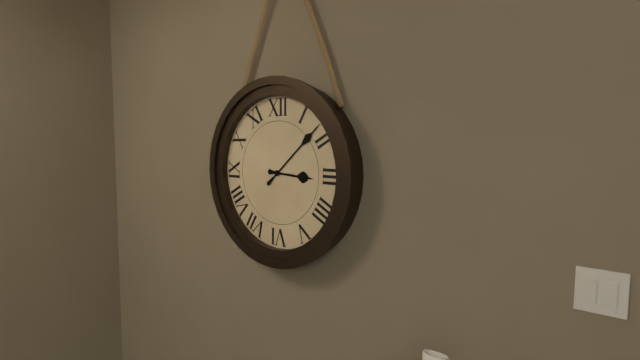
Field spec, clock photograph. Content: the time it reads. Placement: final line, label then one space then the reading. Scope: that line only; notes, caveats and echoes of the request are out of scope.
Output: 3:08
